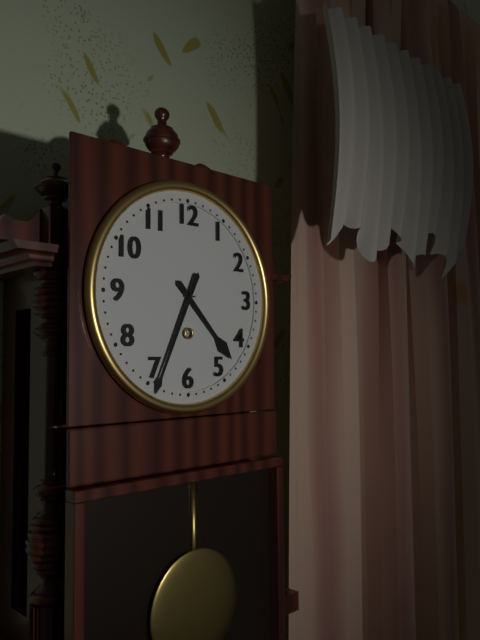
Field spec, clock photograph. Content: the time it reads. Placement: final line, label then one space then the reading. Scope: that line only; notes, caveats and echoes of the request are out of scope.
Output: 4:34
